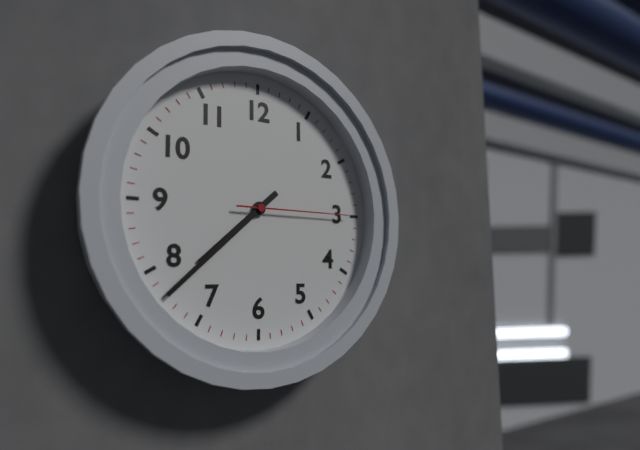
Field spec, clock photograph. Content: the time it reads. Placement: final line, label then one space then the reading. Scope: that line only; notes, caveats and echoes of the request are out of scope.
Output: 7:38:15
